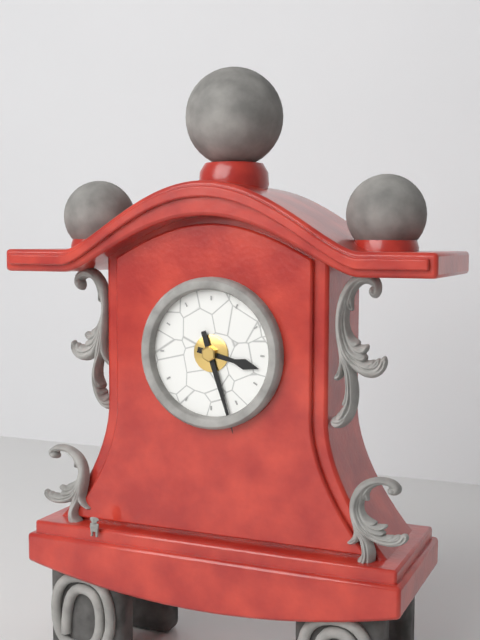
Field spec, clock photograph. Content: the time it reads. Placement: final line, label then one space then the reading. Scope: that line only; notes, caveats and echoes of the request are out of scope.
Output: 3:27
